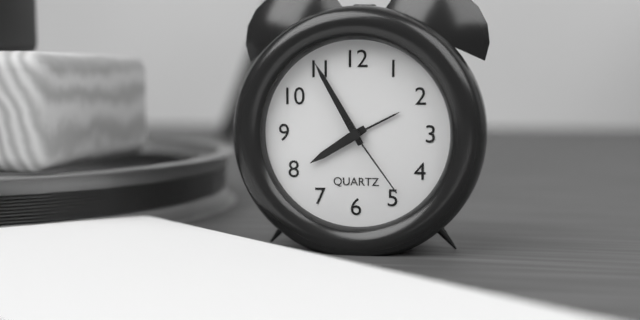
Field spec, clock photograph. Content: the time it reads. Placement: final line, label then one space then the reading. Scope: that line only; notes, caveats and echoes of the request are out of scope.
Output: 7:55:24
